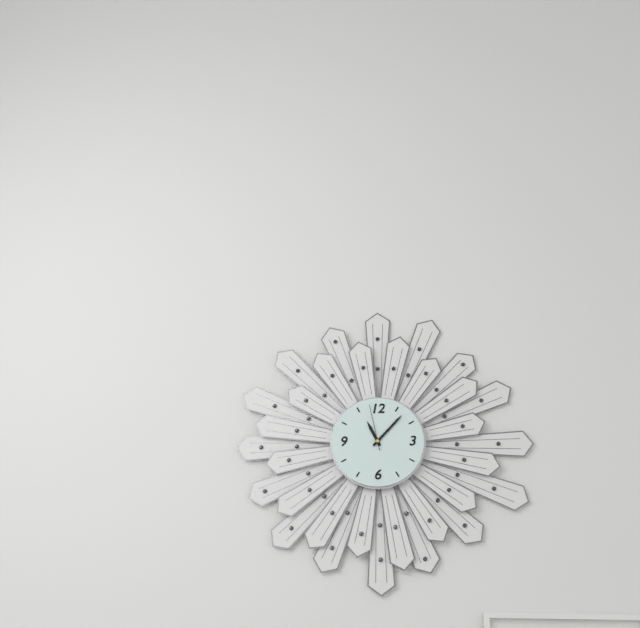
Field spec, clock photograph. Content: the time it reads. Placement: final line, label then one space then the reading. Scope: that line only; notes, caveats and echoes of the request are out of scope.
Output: 11:07
